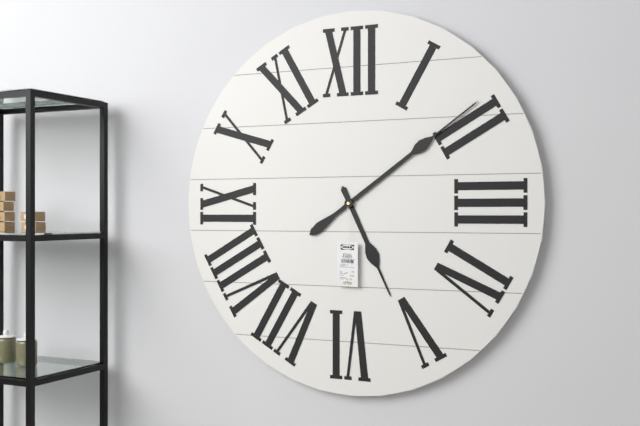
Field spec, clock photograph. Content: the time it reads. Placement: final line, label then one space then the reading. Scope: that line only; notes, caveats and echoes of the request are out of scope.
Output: 5:09
